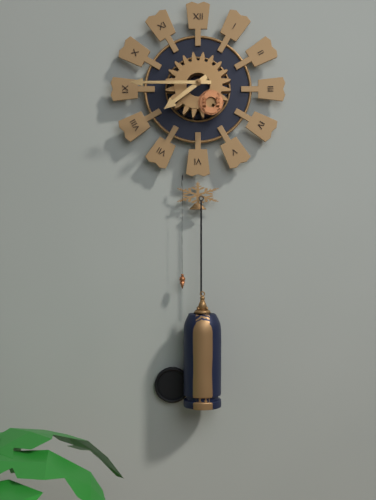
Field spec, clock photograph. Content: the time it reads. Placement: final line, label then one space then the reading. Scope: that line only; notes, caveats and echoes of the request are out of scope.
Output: 7:45
